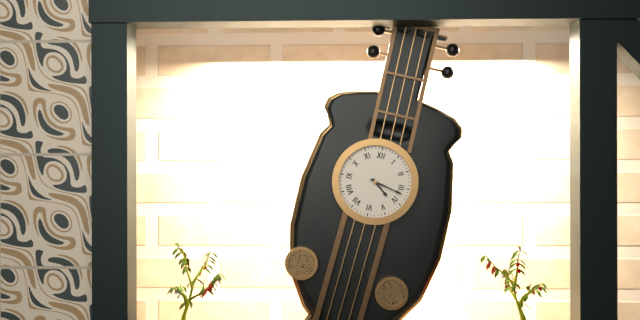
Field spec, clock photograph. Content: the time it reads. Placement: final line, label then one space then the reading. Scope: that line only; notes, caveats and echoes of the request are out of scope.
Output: 4:17
